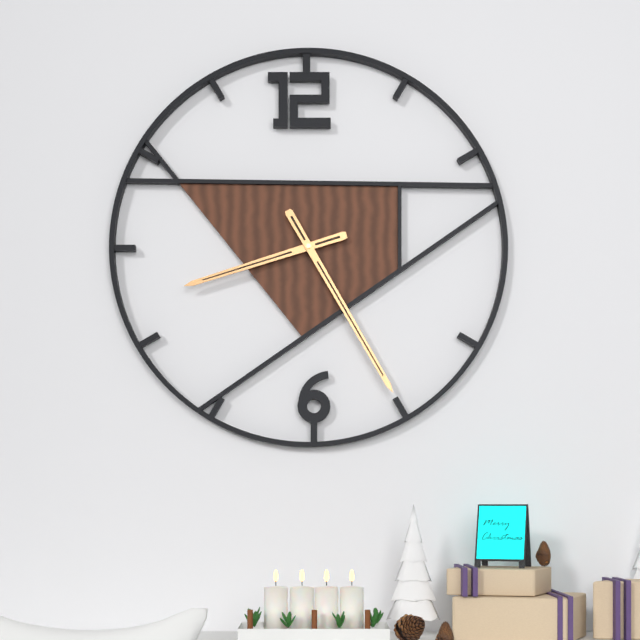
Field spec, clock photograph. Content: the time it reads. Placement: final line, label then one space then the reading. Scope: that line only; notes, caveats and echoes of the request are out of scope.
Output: 8:25
